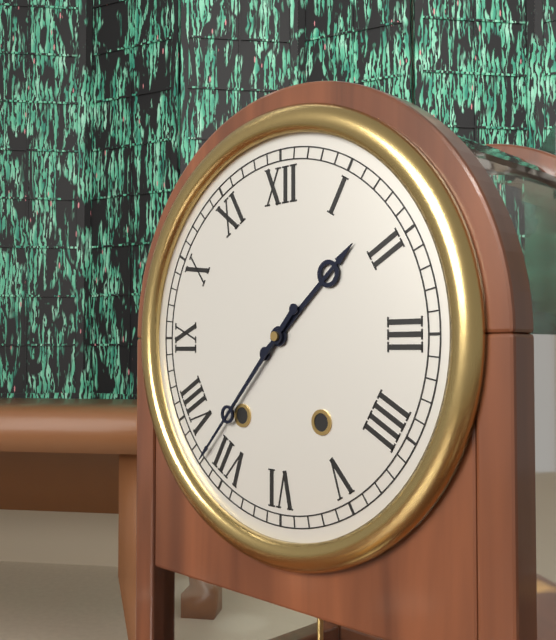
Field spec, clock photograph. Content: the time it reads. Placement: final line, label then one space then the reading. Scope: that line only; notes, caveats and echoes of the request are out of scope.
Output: 1:37
